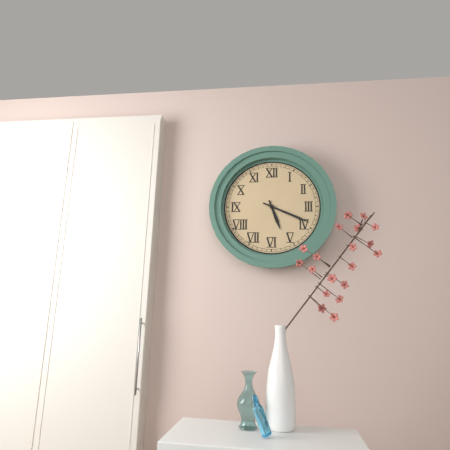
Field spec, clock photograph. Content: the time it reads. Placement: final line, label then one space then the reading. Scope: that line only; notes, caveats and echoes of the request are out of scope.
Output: 5:19
